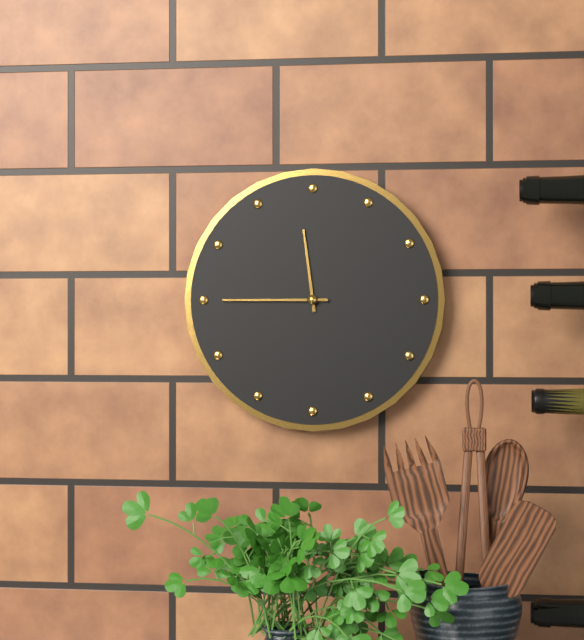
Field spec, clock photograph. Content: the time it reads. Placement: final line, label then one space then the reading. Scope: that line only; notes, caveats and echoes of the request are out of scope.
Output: 11:45
